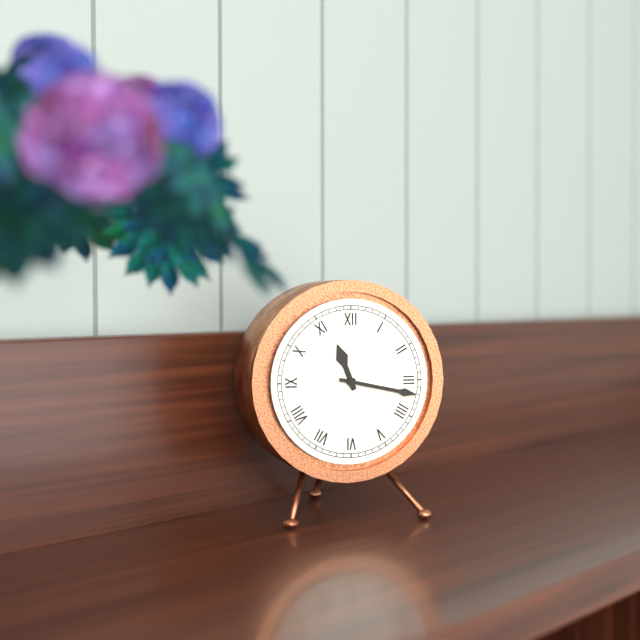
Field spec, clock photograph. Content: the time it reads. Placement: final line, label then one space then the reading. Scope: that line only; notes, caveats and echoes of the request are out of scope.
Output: 11:17
